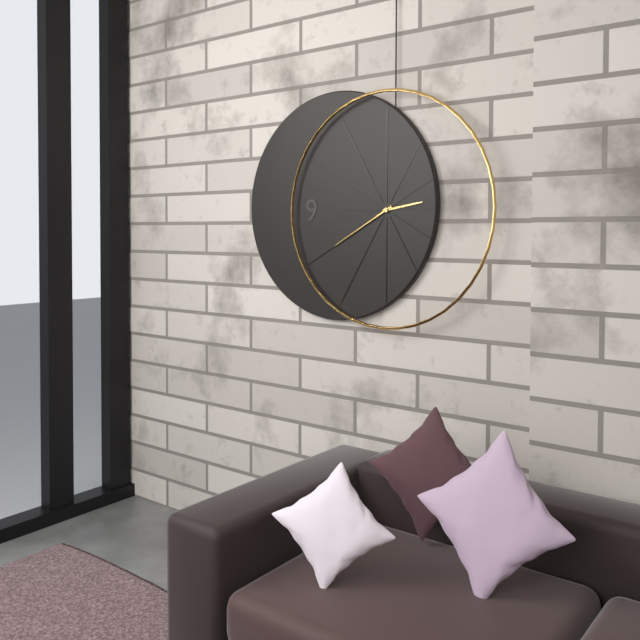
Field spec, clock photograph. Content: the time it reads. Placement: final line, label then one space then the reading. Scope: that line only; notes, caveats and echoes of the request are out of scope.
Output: 2:40
